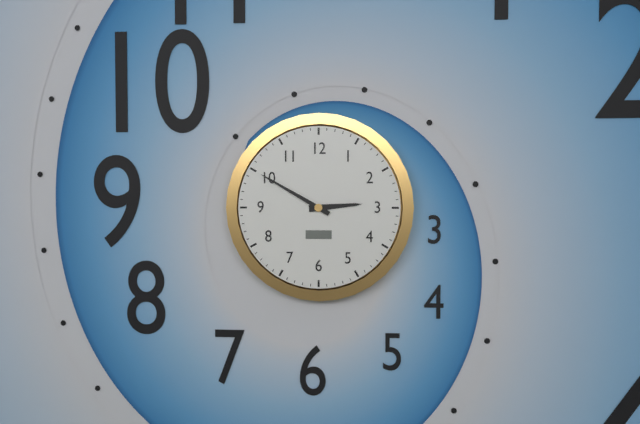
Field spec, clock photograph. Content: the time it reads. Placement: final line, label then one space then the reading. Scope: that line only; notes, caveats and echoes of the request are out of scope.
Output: 2:50
